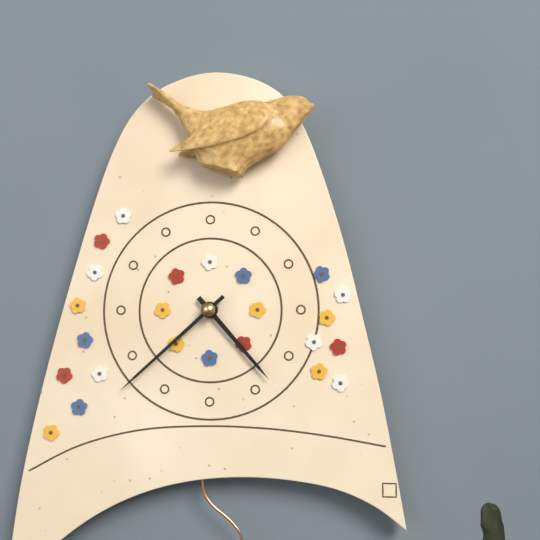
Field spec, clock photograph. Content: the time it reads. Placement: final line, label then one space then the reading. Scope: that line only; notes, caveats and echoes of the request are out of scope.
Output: 4:38
